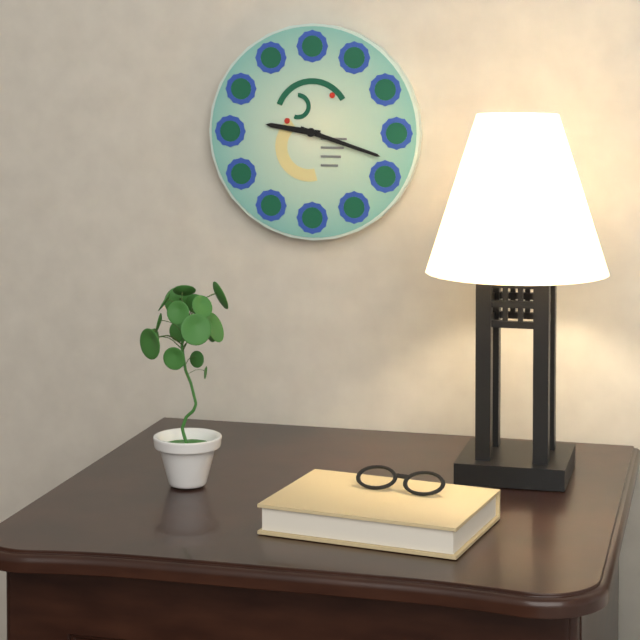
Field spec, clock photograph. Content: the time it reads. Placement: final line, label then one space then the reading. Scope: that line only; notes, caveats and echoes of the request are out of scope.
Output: 9:18
